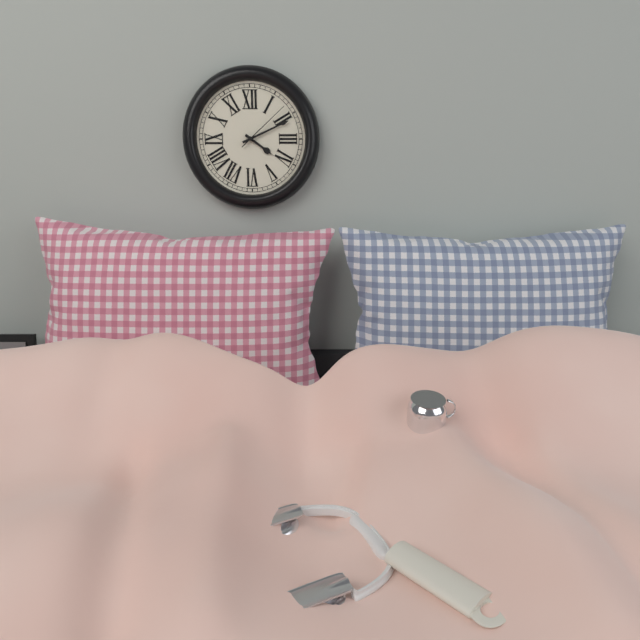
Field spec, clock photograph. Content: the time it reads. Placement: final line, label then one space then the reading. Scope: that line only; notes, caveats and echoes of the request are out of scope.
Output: 4:11:08
